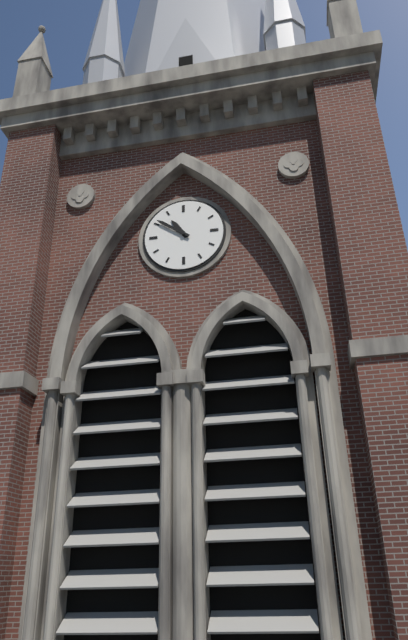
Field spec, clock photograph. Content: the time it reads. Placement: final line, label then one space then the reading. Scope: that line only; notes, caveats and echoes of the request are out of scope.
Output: 10:51
